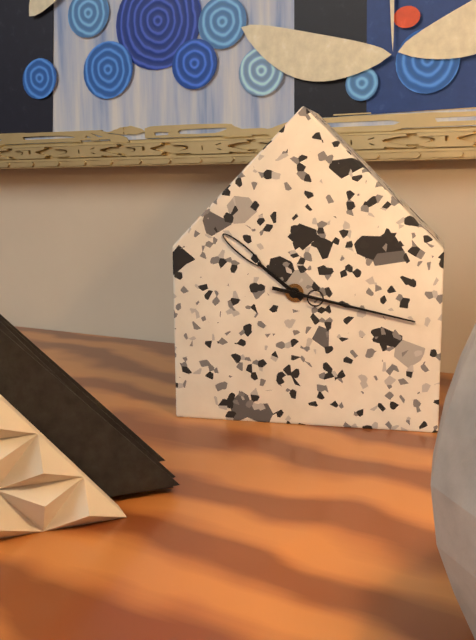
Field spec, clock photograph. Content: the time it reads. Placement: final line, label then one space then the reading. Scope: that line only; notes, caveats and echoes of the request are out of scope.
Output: 10:17
